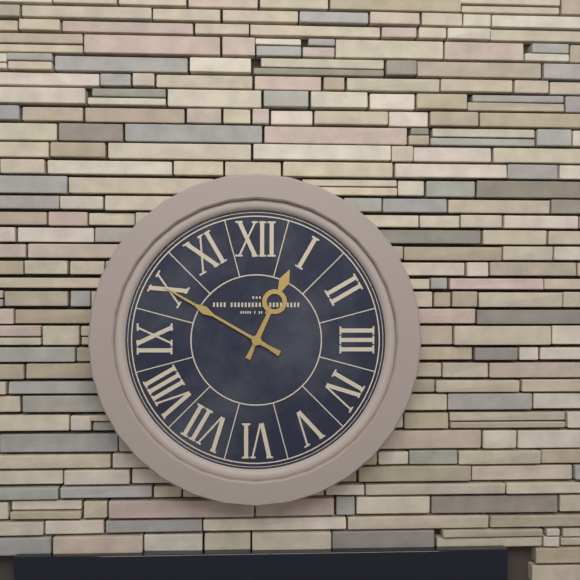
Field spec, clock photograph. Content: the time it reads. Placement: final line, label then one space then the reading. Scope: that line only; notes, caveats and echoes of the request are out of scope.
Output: 12:50
